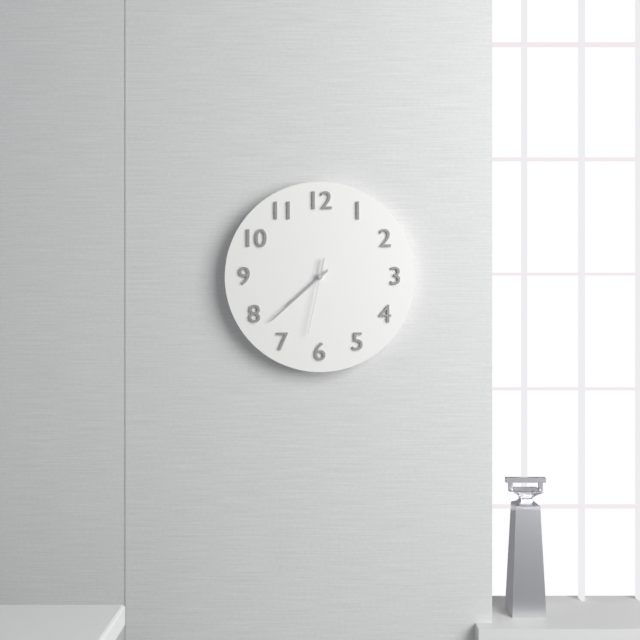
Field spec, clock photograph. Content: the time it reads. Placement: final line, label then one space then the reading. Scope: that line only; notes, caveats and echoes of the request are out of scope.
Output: 7:38:32
